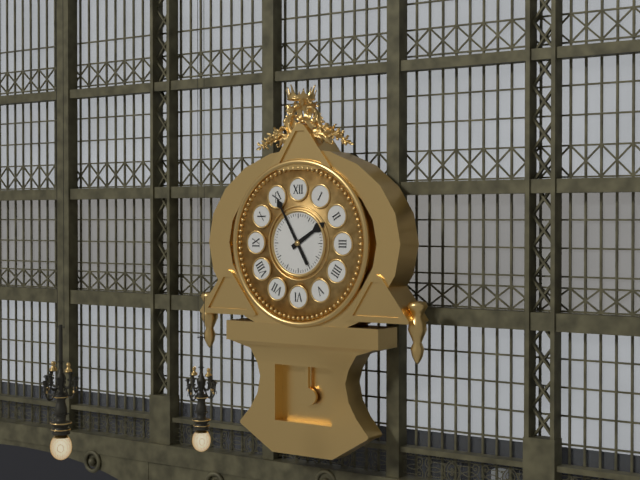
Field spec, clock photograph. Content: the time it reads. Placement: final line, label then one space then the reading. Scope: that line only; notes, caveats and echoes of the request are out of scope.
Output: 1:55
